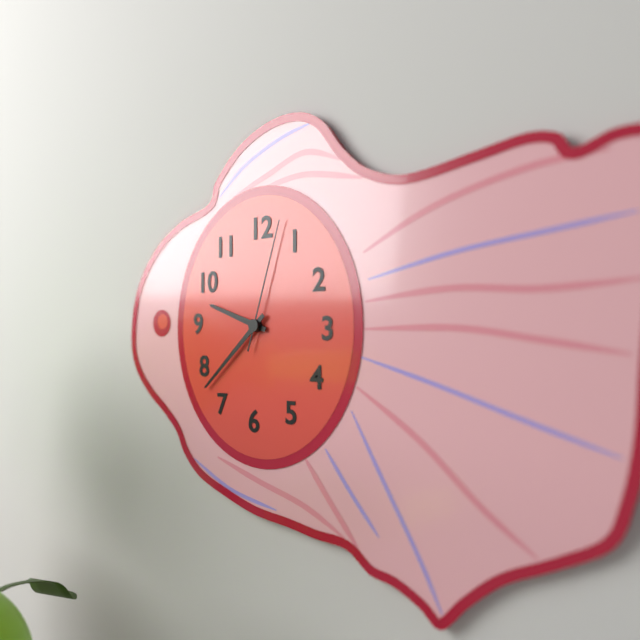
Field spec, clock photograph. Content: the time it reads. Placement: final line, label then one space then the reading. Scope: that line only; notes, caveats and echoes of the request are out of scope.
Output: 9:38:03
